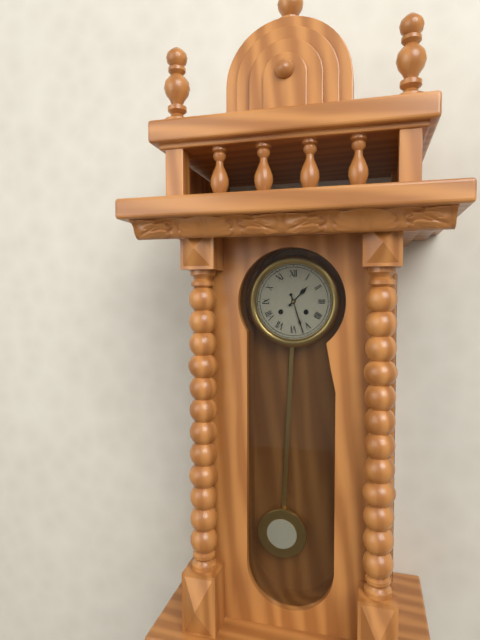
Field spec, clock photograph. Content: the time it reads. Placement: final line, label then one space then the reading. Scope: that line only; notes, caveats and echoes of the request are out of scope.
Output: 1:27
